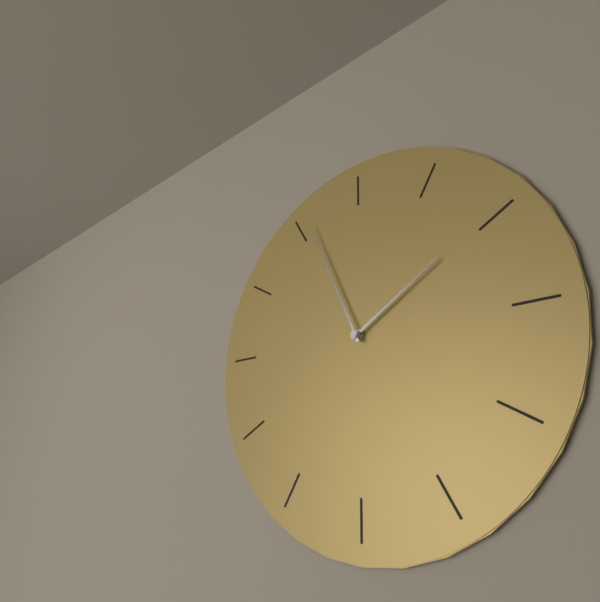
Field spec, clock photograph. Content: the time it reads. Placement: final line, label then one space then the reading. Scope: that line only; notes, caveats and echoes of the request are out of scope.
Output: 1:56
